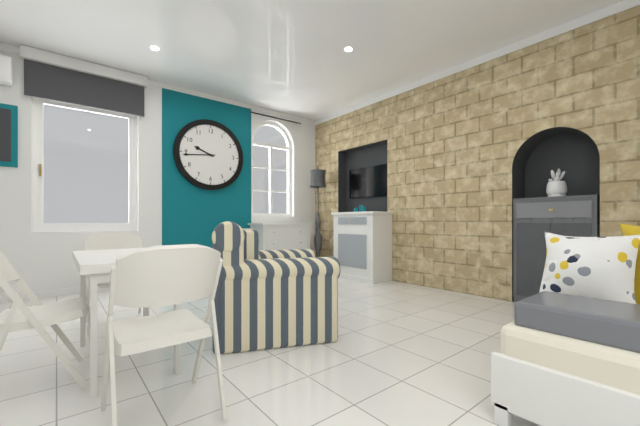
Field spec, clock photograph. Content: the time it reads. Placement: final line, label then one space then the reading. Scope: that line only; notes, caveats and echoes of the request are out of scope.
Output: 9:44
